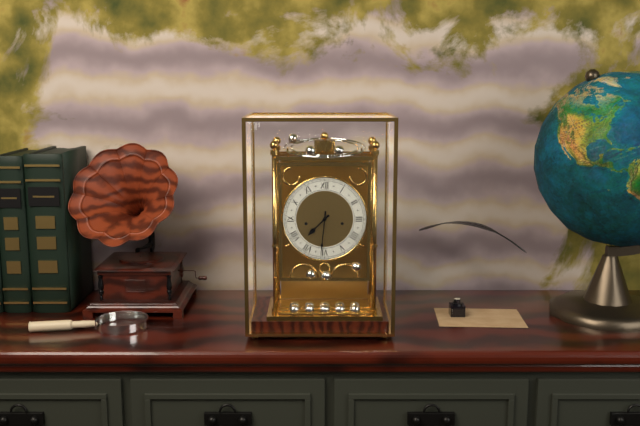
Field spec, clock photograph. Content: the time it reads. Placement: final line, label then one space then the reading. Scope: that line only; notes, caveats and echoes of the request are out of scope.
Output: 7:31
